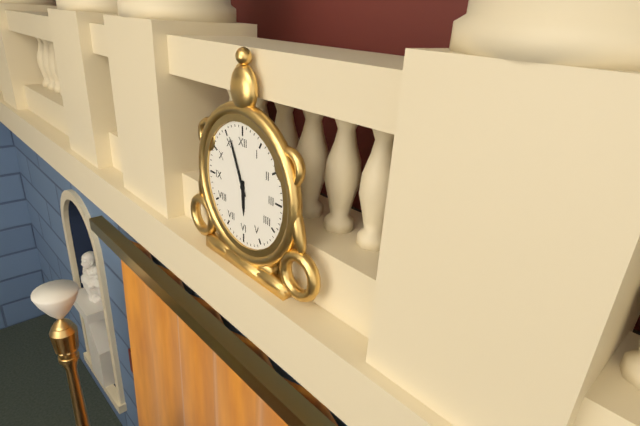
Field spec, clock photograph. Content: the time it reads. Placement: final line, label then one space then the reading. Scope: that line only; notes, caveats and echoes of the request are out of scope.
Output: 5:56
